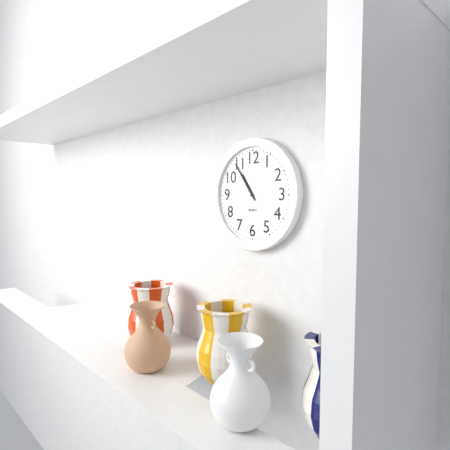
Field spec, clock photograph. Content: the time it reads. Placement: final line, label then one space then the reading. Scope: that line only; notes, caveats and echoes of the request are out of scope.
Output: 10:54
